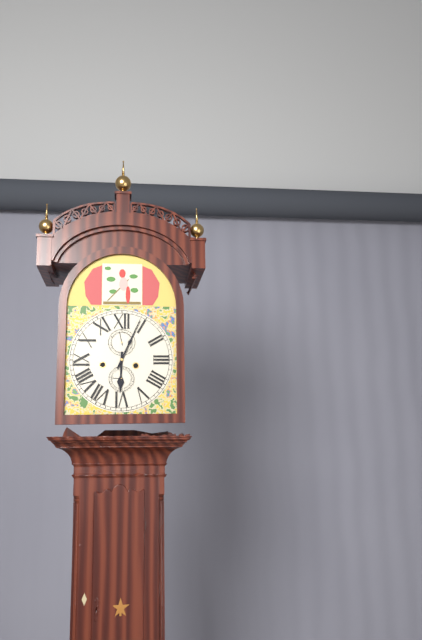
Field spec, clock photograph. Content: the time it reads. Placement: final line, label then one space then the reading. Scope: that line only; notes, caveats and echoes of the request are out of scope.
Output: 6:04
